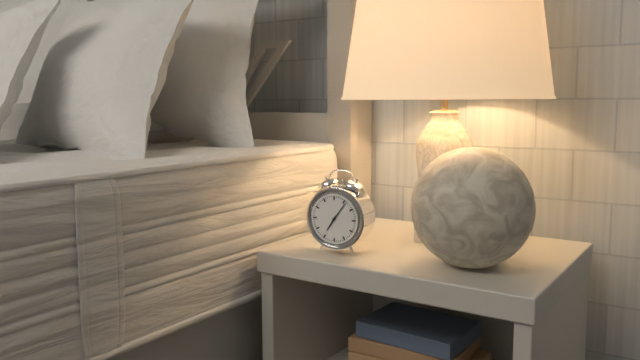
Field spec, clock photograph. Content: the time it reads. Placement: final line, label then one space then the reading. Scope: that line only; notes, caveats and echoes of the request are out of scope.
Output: 7:06
